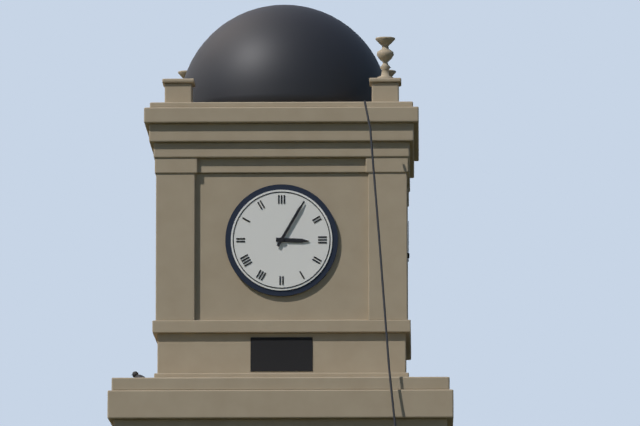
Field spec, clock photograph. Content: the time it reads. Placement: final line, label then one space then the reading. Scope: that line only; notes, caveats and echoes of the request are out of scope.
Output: 3:05
